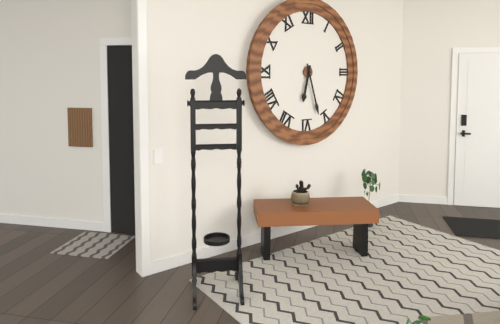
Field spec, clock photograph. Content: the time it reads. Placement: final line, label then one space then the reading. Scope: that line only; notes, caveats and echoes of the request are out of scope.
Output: 6:27
